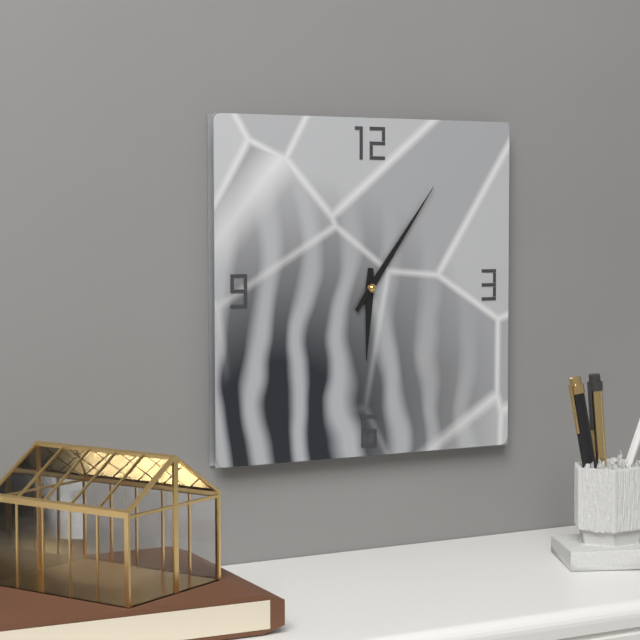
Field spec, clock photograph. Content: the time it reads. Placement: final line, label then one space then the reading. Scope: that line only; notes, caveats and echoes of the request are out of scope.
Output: 6:06
